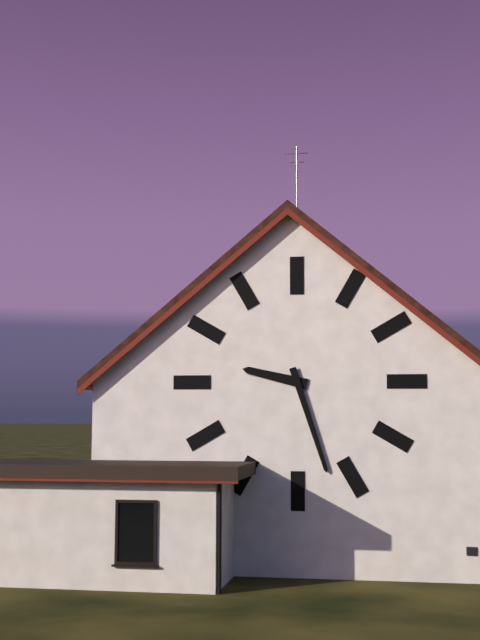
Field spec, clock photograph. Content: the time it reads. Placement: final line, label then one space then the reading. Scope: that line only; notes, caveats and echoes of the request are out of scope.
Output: 9:27
